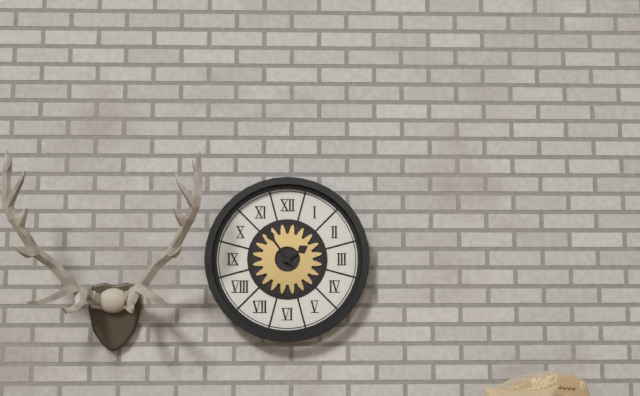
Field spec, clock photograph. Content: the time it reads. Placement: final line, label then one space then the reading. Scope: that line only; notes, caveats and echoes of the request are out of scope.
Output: 1:54
